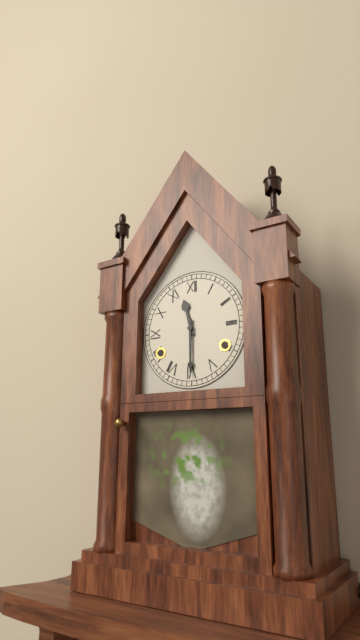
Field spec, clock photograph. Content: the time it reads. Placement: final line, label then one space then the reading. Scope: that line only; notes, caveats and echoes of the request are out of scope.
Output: 11:30
